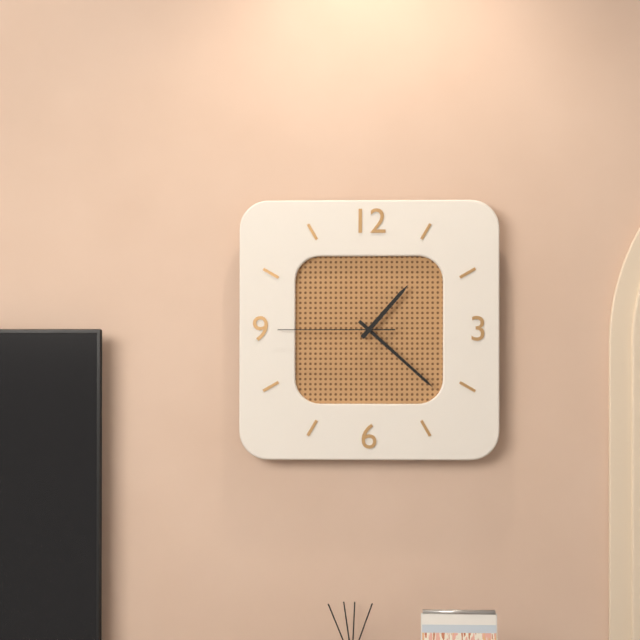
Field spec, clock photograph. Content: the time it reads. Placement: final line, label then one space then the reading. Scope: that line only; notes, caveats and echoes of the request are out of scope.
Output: 1:22:45
